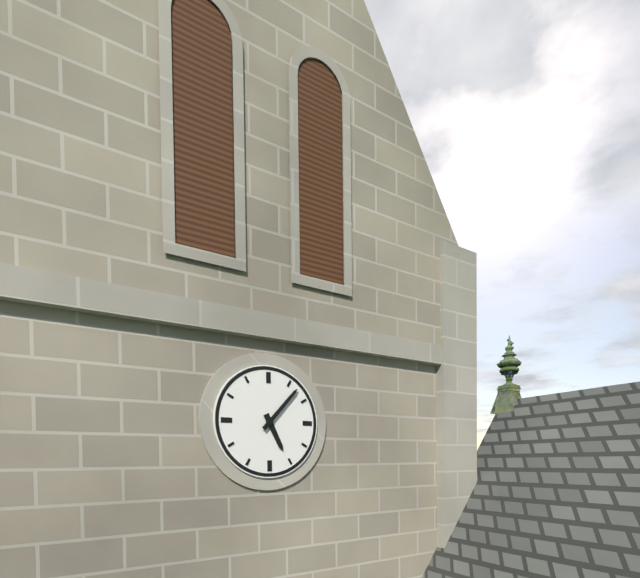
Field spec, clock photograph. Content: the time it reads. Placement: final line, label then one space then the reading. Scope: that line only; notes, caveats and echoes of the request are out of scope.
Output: 5:07
